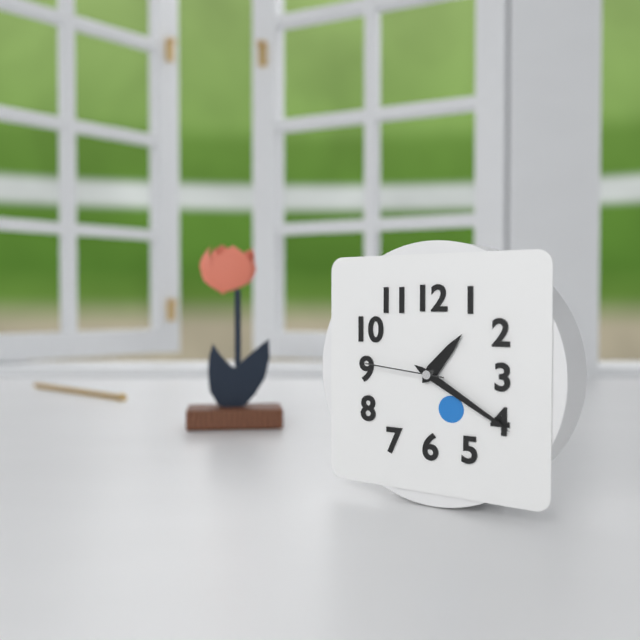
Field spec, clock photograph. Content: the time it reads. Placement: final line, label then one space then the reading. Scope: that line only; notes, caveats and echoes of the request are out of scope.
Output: 1:20:46
